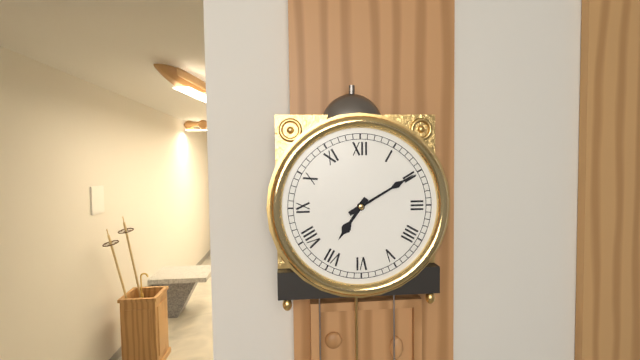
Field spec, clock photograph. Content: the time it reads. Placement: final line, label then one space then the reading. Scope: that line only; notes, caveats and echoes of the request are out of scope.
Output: 7:10
